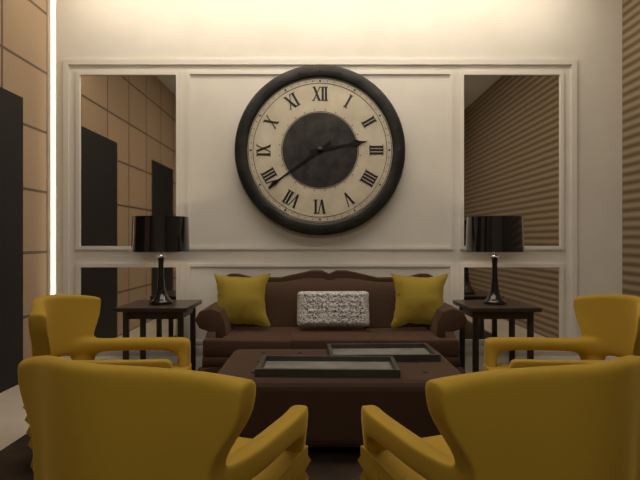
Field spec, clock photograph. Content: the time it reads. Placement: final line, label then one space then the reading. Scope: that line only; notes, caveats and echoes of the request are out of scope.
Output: 2:39
